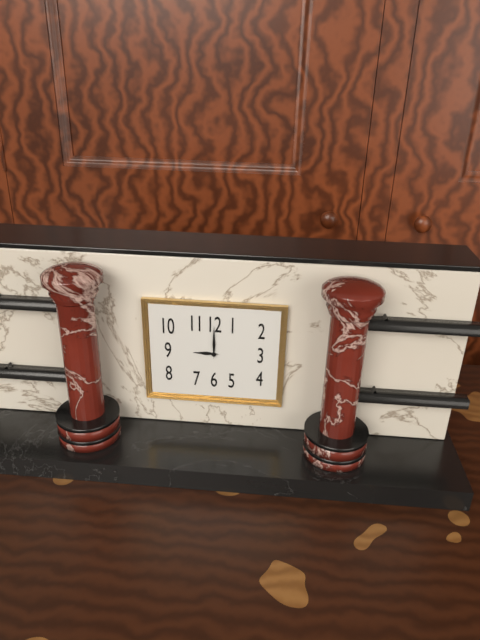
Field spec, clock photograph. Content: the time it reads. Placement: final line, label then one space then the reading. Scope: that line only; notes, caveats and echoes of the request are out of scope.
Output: 9:00
